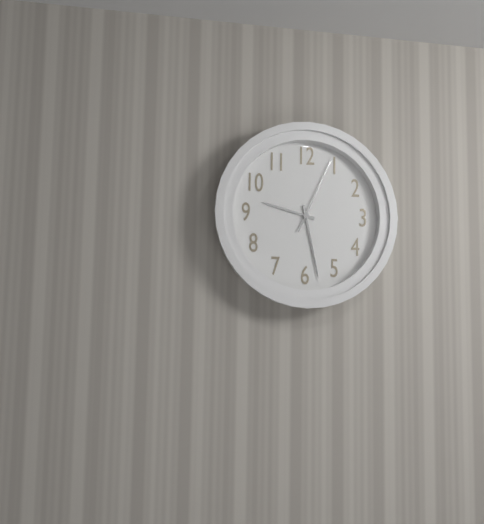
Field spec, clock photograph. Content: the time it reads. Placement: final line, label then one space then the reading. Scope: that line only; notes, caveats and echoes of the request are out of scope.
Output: 9:28:04
